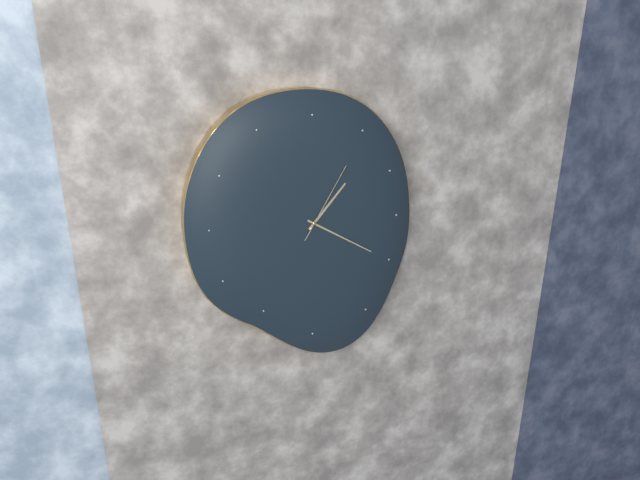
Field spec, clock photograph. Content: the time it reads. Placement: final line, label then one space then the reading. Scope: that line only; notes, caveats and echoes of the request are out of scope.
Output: 1:20:05
